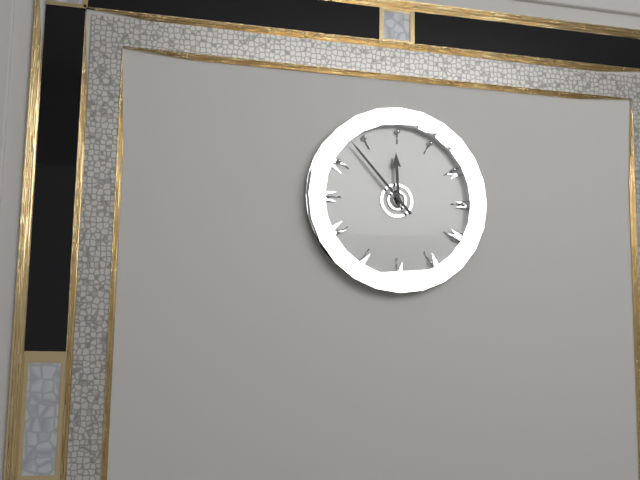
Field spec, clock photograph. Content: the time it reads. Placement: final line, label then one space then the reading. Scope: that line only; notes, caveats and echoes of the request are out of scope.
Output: 11:53
